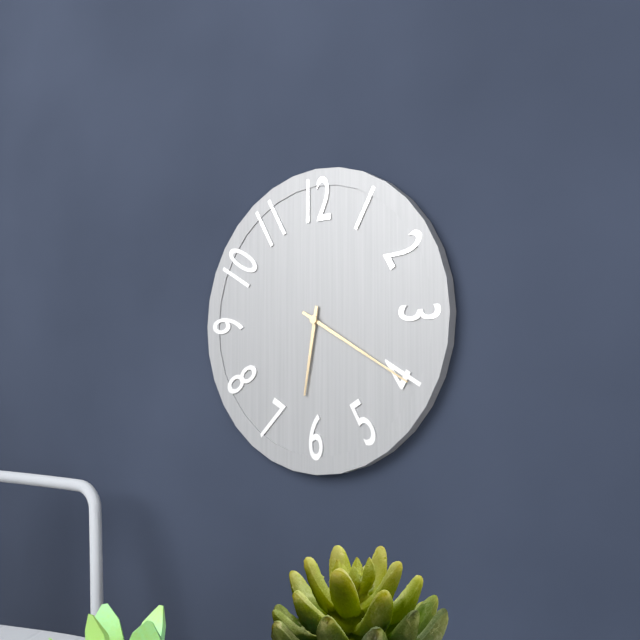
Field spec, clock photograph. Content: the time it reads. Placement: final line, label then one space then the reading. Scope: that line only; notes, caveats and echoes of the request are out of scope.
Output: 6:20
